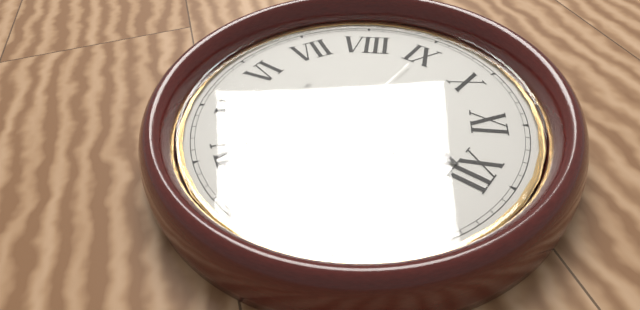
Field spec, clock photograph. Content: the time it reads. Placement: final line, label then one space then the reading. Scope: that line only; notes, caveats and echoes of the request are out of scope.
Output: 12:04:45
